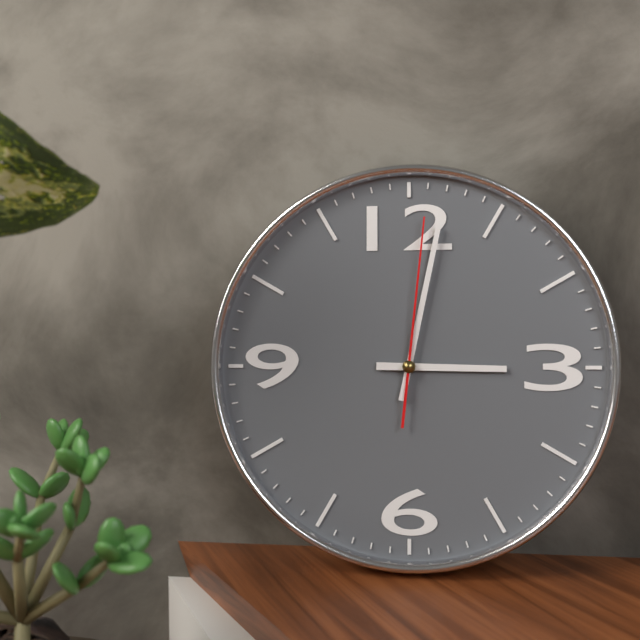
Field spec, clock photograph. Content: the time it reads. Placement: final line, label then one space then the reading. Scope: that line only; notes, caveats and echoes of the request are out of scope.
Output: 3:02:01
